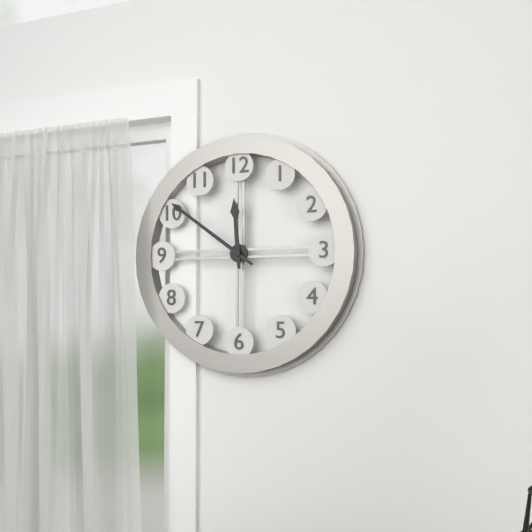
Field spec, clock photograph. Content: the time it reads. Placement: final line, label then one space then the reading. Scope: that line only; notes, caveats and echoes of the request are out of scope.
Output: 11:51
